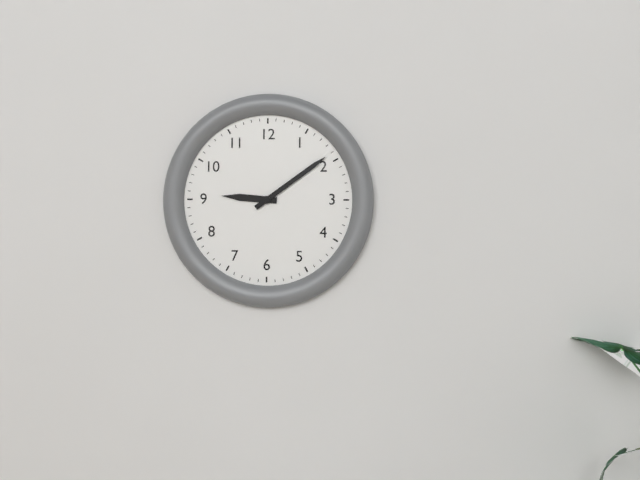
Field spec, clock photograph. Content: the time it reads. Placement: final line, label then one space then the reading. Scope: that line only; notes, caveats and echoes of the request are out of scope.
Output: 9:09
